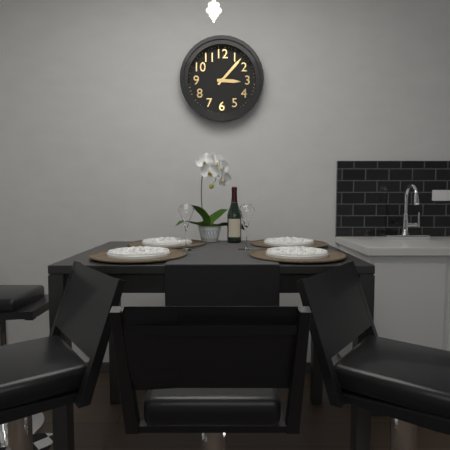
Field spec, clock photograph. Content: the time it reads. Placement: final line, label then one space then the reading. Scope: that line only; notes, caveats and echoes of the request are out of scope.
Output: 3:07
